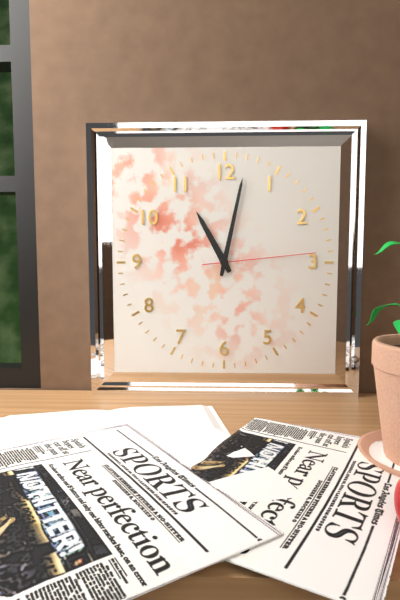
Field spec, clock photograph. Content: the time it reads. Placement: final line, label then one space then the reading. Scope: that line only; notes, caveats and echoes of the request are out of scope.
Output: 11:02:14
